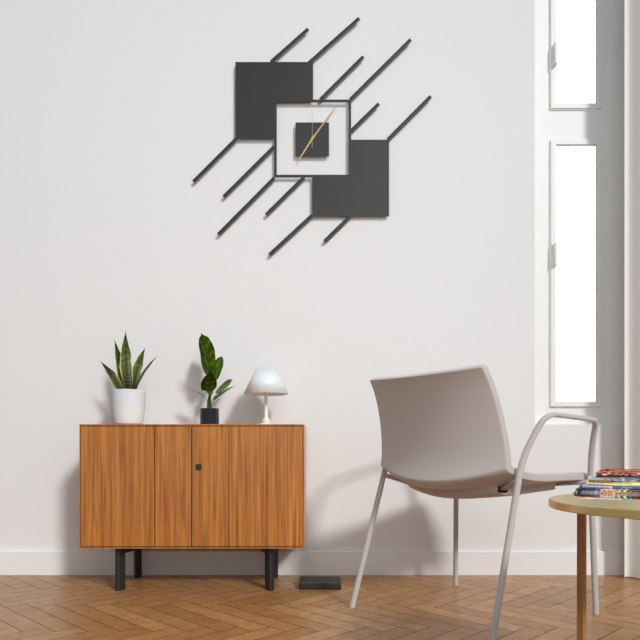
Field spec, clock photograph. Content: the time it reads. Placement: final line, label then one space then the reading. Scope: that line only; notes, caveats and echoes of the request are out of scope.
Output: 7:06
